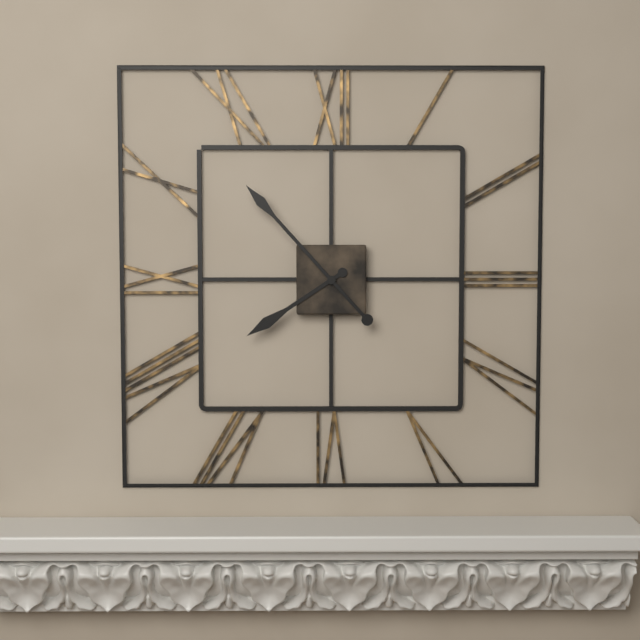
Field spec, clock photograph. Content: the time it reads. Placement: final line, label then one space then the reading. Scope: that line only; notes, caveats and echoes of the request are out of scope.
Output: 7:53
